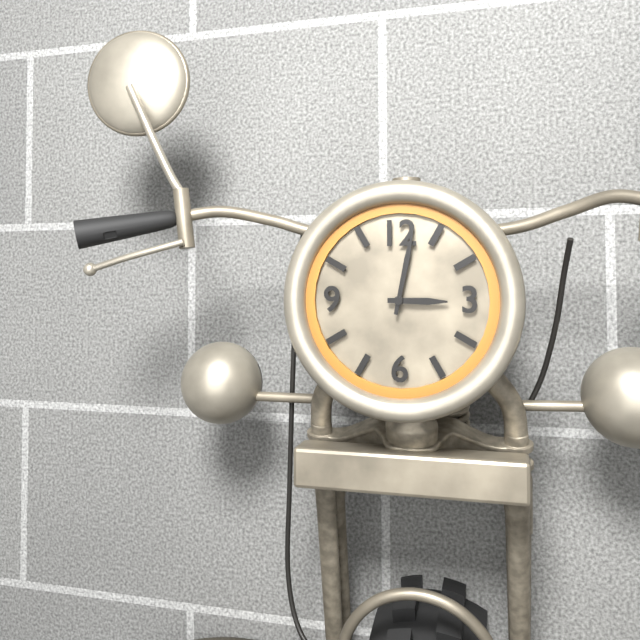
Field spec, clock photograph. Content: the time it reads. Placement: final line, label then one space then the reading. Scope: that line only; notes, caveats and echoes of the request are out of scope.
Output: 3:02
